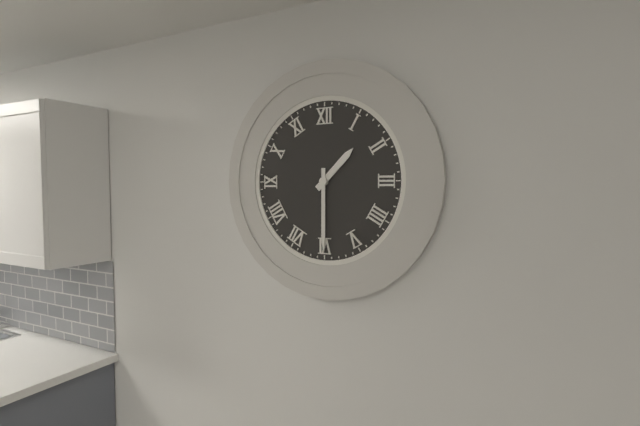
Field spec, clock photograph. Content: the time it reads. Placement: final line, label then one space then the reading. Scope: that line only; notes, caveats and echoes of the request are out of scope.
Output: 1:30
